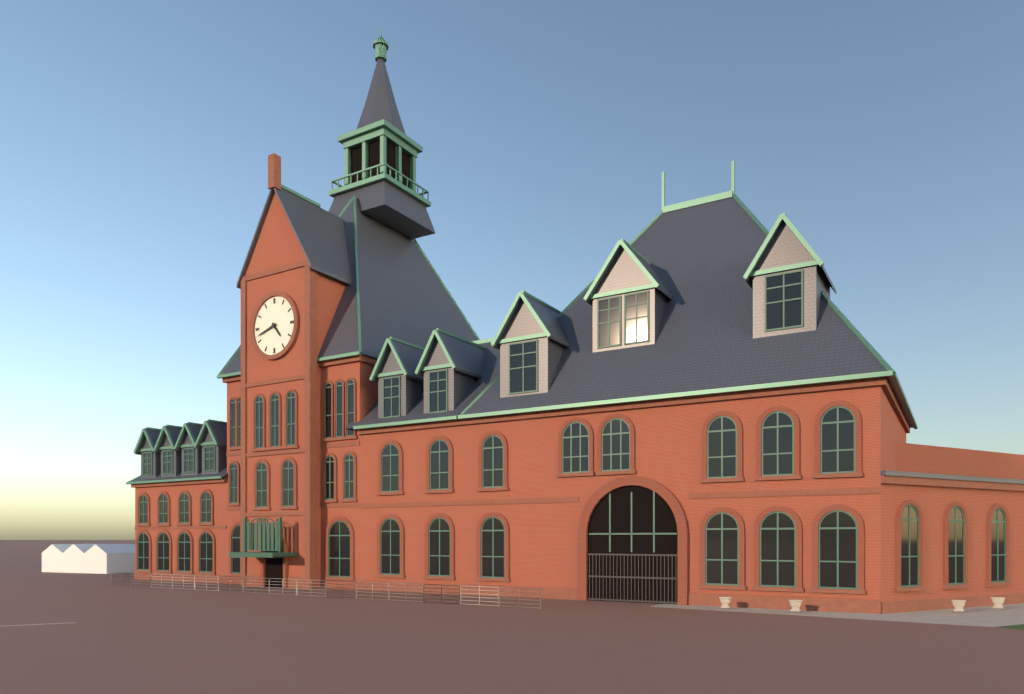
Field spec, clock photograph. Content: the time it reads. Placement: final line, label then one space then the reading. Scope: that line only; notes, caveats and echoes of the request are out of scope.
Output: 4:42
